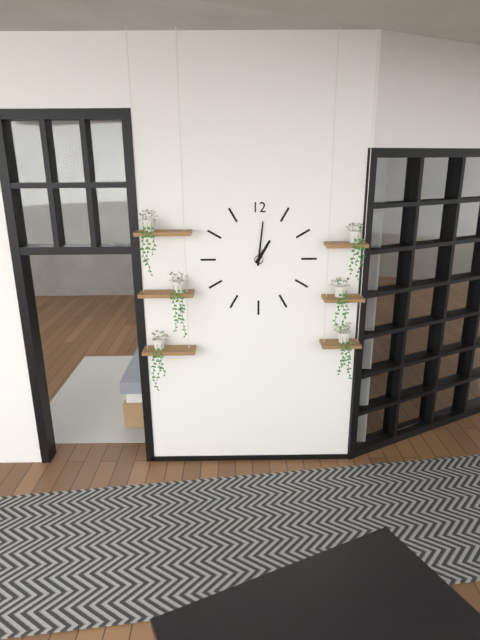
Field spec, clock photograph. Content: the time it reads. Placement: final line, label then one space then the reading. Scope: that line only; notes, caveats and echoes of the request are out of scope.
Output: 1:01
